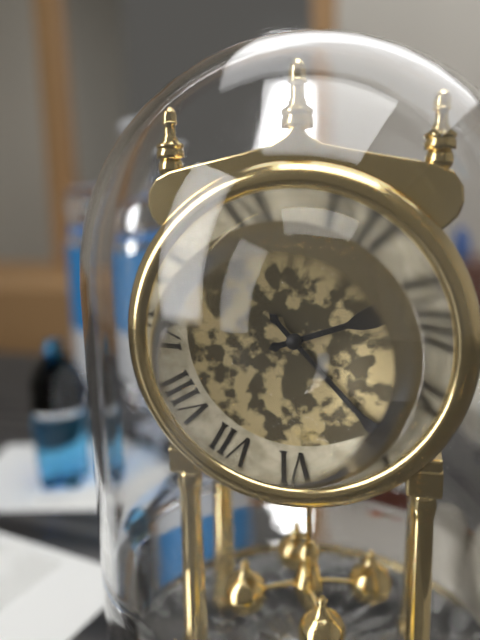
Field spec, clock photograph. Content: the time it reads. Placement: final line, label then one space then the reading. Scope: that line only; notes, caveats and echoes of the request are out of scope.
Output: 2:23
